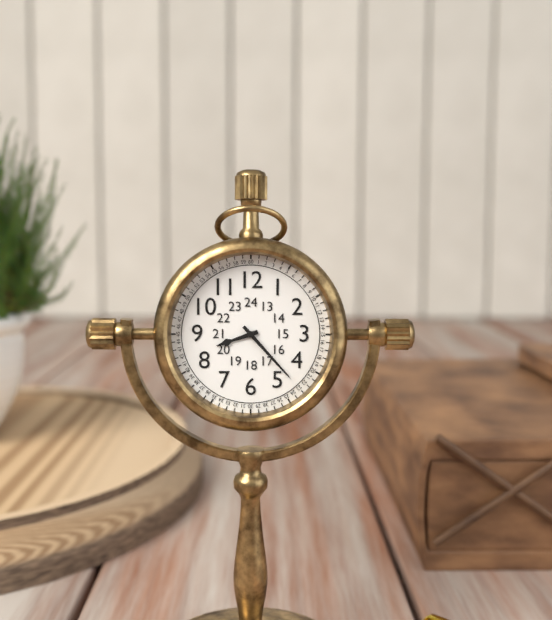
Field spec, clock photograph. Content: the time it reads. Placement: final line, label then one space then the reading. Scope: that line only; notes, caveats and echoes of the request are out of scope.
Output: 8:23
